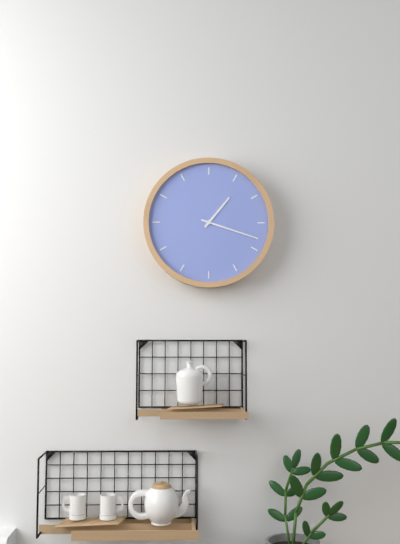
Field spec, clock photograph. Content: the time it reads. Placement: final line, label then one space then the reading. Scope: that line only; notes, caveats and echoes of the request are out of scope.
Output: 1:18
